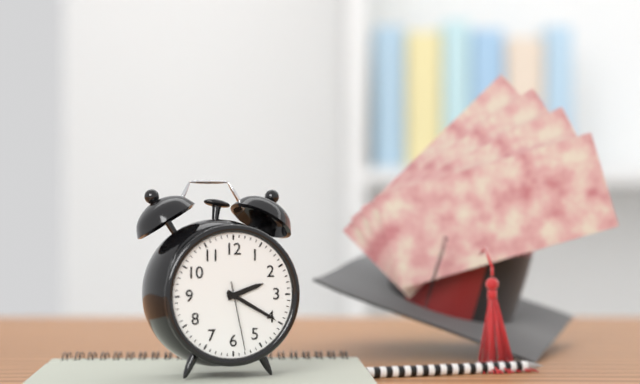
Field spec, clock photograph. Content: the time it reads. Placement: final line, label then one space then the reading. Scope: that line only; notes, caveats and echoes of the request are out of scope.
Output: 2:20:28
